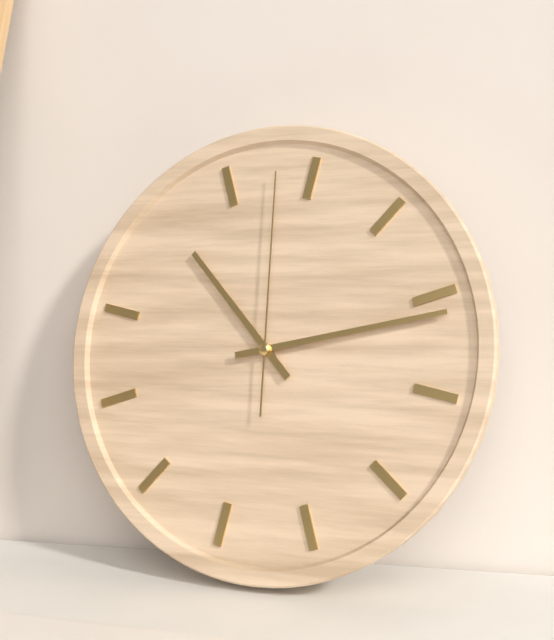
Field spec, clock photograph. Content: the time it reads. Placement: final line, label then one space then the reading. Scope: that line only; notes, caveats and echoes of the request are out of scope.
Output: 10:11:58
